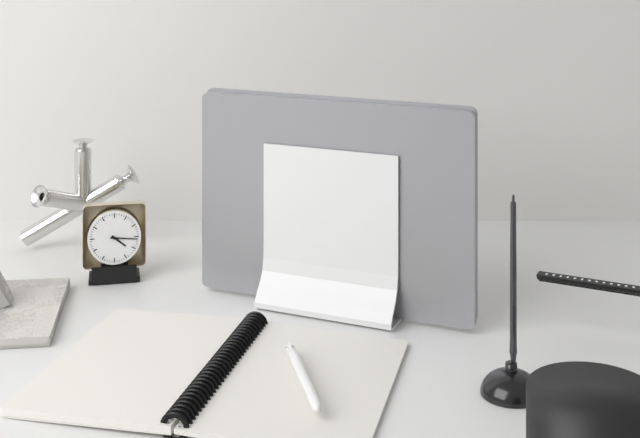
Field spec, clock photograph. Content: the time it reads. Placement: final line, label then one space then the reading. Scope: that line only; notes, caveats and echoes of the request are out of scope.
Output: 4:16
